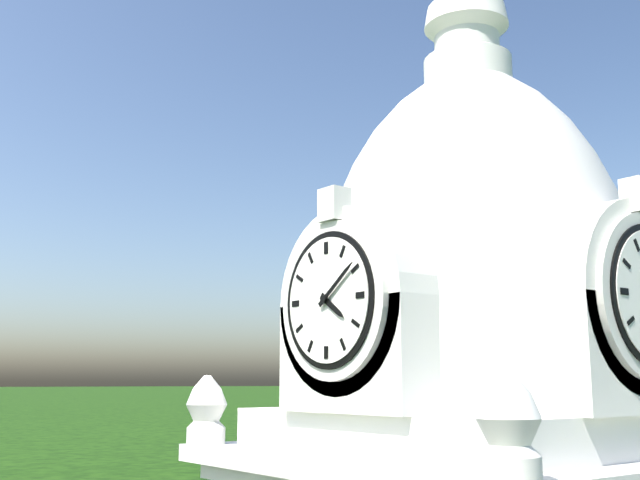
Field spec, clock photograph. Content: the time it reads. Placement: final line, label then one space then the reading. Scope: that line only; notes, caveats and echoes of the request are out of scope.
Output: 4:09
